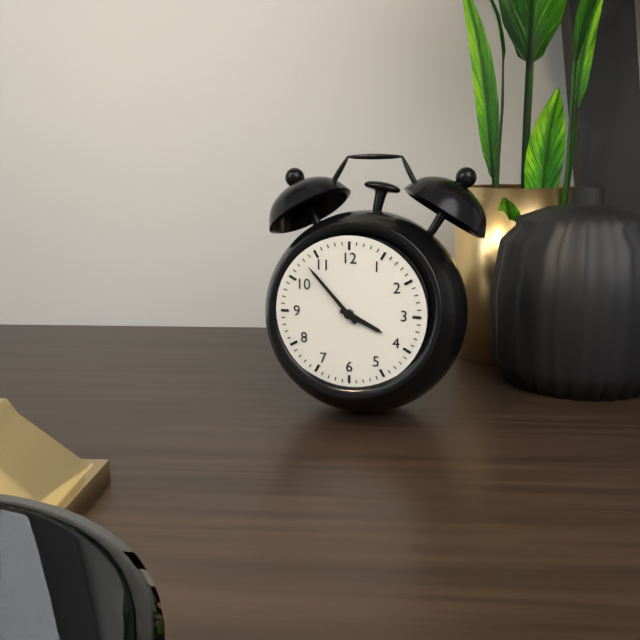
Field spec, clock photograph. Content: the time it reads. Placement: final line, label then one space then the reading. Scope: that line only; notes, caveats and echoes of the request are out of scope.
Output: 3:53
